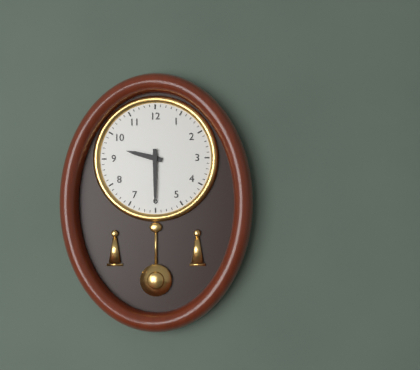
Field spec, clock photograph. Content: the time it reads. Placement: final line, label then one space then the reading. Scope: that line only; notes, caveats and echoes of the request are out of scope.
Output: 9:30
